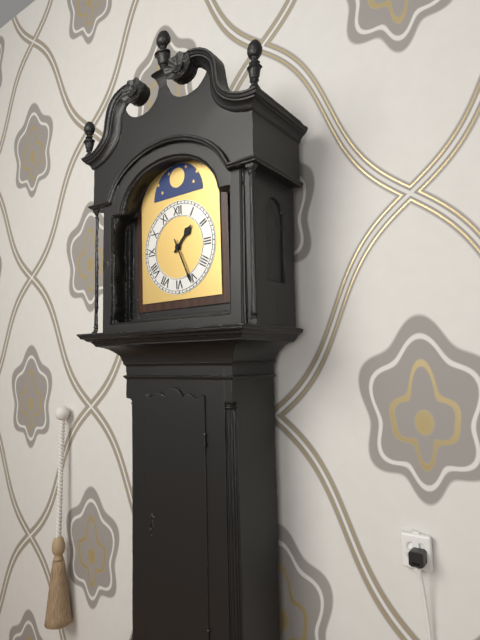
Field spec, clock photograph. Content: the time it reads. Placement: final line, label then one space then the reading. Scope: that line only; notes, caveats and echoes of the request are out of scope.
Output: 1:26
